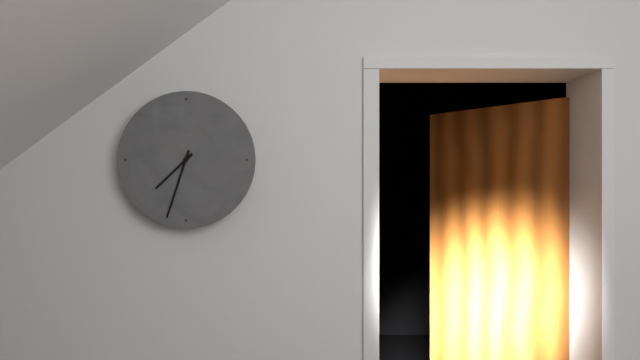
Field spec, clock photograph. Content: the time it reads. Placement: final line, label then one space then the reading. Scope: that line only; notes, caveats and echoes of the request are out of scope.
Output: 7:33
